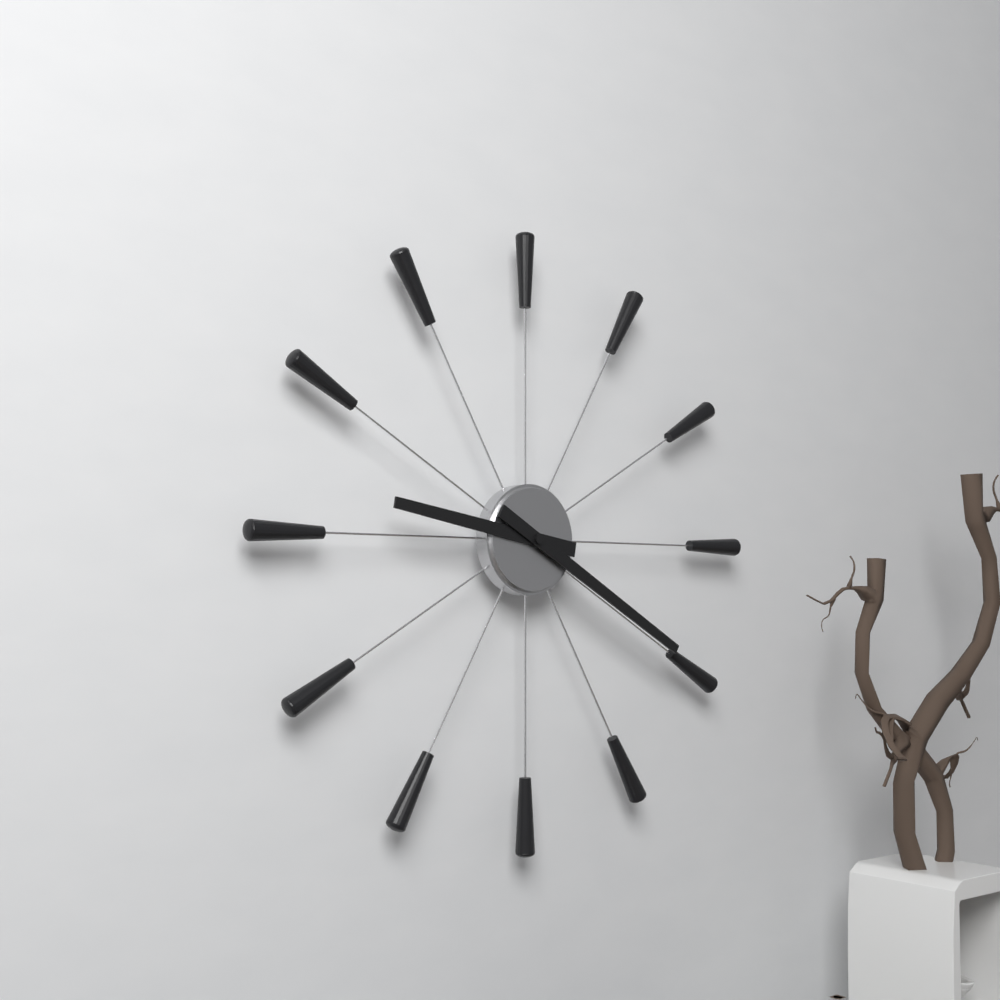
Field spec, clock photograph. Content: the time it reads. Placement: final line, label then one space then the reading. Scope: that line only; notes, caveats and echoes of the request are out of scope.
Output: 9:20
